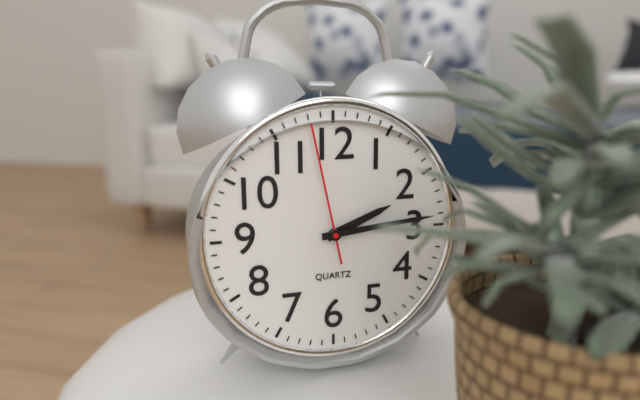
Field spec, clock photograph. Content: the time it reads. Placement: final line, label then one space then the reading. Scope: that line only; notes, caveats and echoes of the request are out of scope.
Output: 2:14:58
